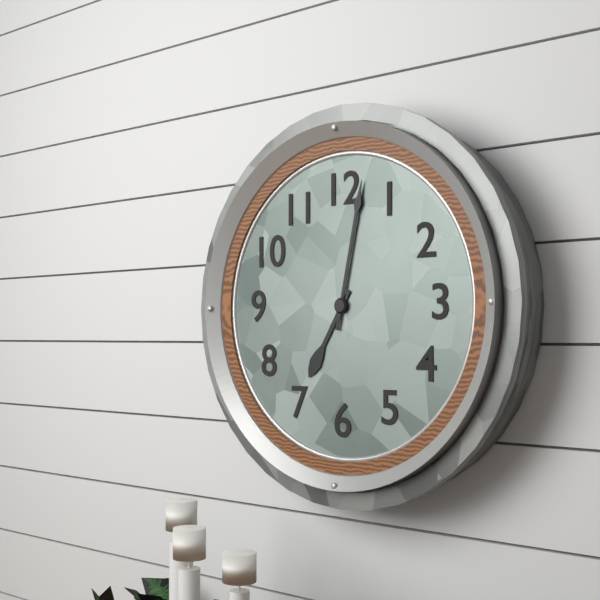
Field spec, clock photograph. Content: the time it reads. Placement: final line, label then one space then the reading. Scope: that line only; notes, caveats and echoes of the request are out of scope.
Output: 7:02
